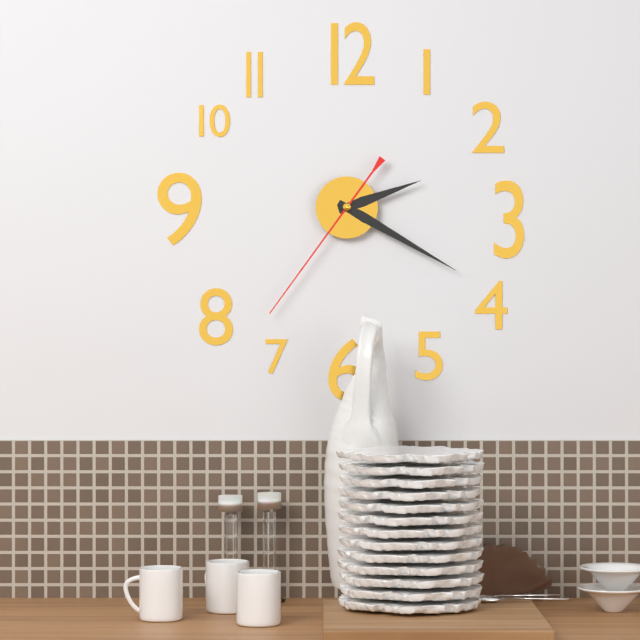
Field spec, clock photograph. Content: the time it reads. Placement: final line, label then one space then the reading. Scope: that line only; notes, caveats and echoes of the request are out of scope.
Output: 2:20:36
